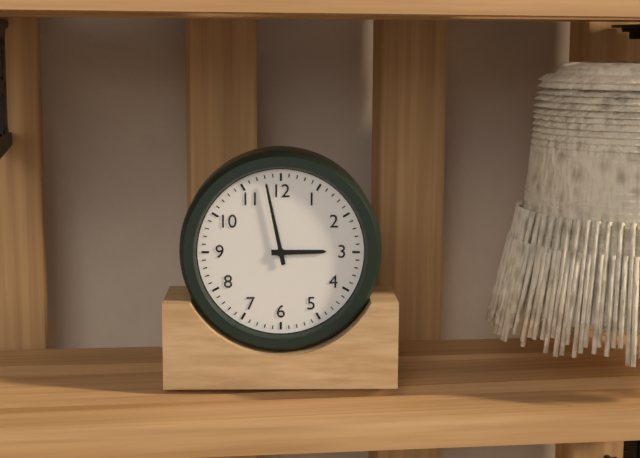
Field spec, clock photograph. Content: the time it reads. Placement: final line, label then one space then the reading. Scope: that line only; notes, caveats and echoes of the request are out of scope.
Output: 2:58
